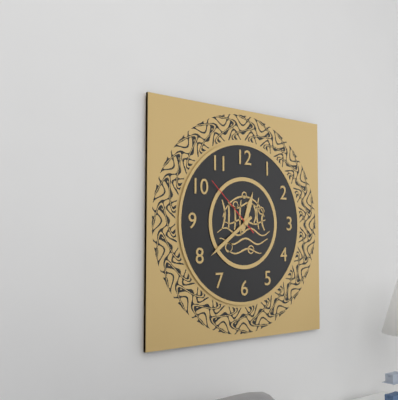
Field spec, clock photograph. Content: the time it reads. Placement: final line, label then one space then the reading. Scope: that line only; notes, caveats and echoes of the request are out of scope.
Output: 12:39:52
